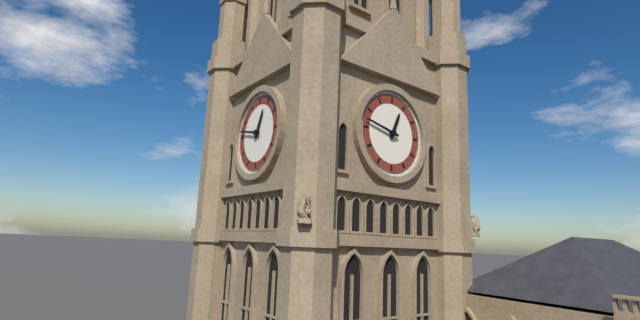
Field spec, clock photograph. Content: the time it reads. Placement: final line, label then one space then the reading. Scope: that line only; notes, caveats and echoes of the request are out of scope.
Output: 12:47
